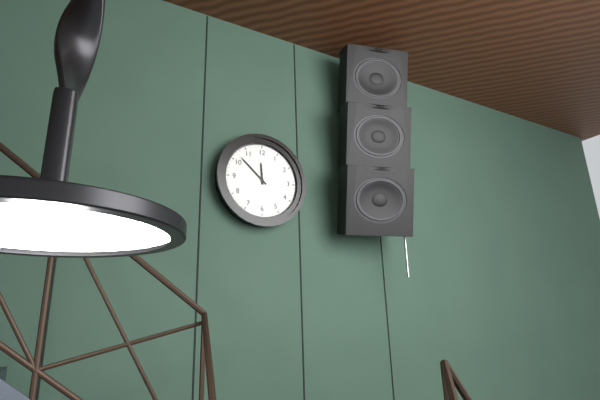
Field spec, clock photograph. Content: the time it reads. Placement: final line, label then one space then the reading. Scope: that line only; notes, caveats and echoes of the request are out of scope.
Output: 11:52
